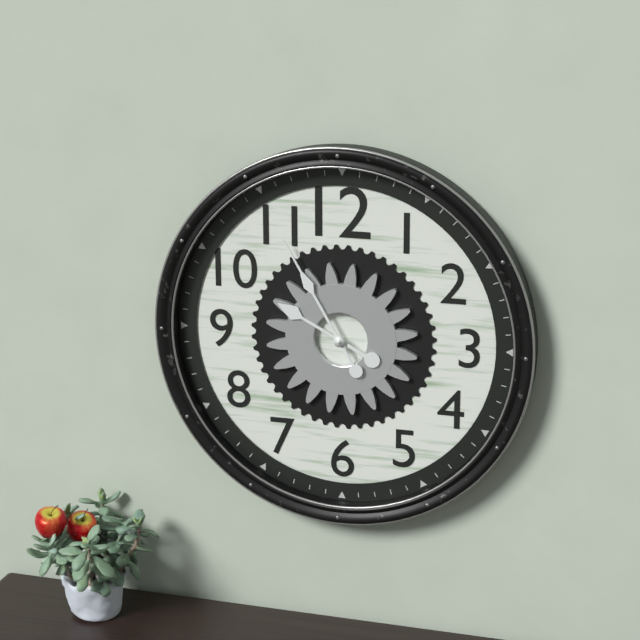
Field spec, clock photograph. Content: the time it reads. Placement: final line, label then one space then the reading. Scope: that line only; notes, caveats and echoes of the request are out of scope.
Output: 9:55
